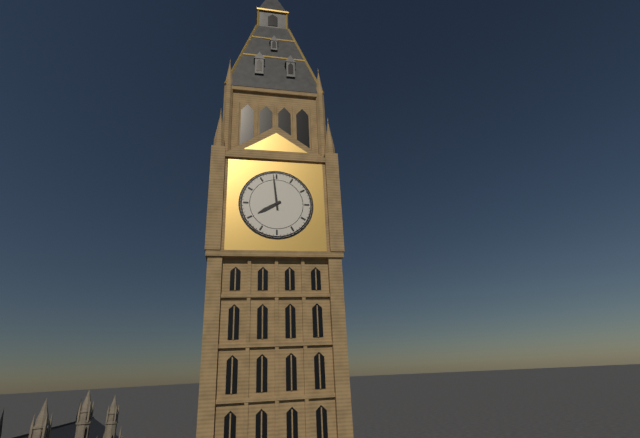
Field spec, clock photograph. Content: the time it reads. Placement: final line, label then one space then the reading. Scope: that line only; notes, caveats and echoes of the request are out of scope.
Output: 7:59
